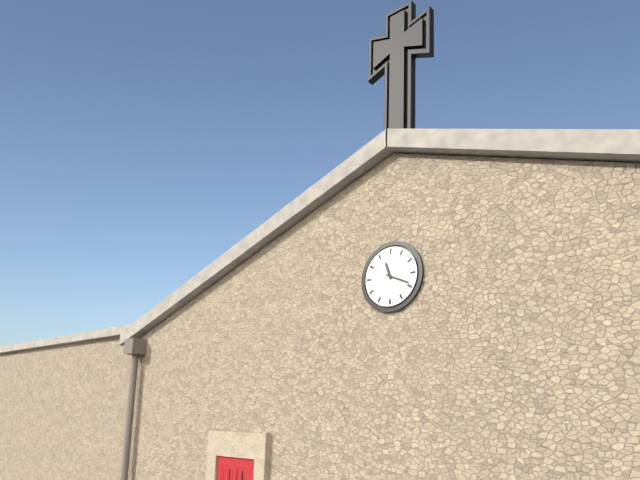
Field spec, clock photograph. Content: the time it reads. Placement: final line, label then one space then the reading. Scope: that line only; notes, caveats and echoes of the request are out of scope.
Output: 11:19
